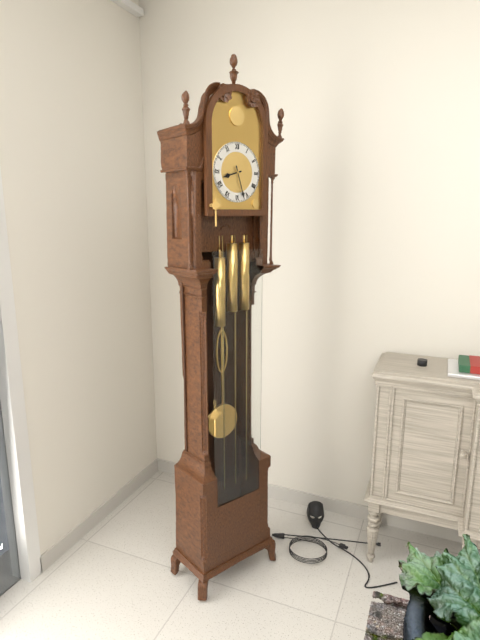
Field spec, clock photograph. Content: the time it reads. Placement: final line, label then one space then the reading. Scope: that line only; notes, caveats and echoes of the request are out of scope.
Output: 8:27
